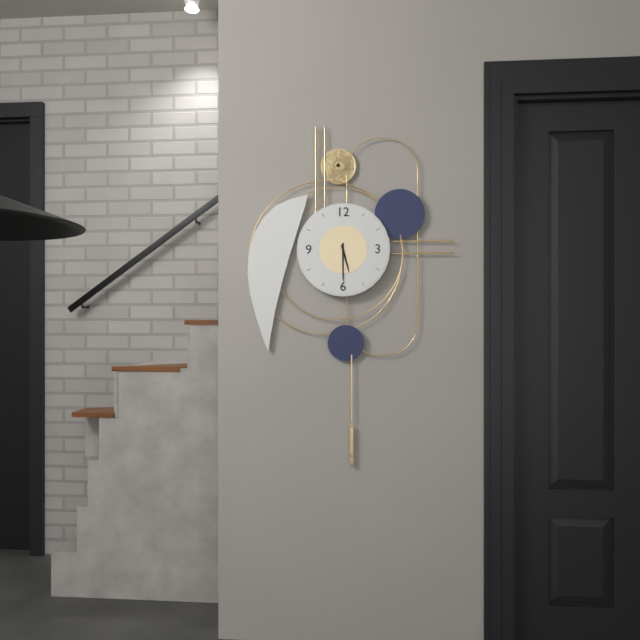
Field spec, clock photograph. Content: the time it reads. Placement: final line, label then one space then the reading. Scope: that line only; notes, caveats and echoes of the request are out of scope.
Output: 5:30
